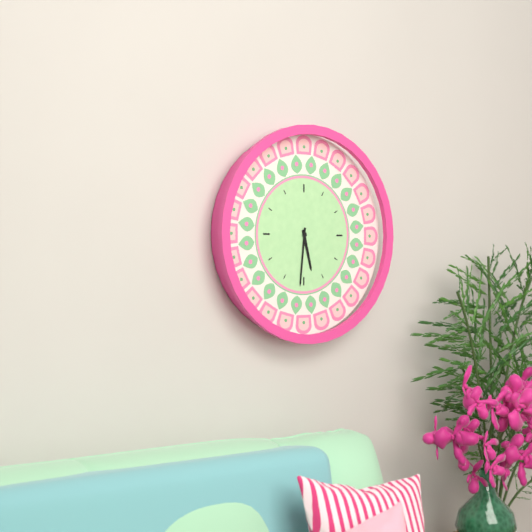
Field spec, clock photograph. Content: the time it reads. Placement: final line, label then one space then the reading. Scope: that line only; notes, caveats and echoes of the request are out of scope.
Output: 5:31
